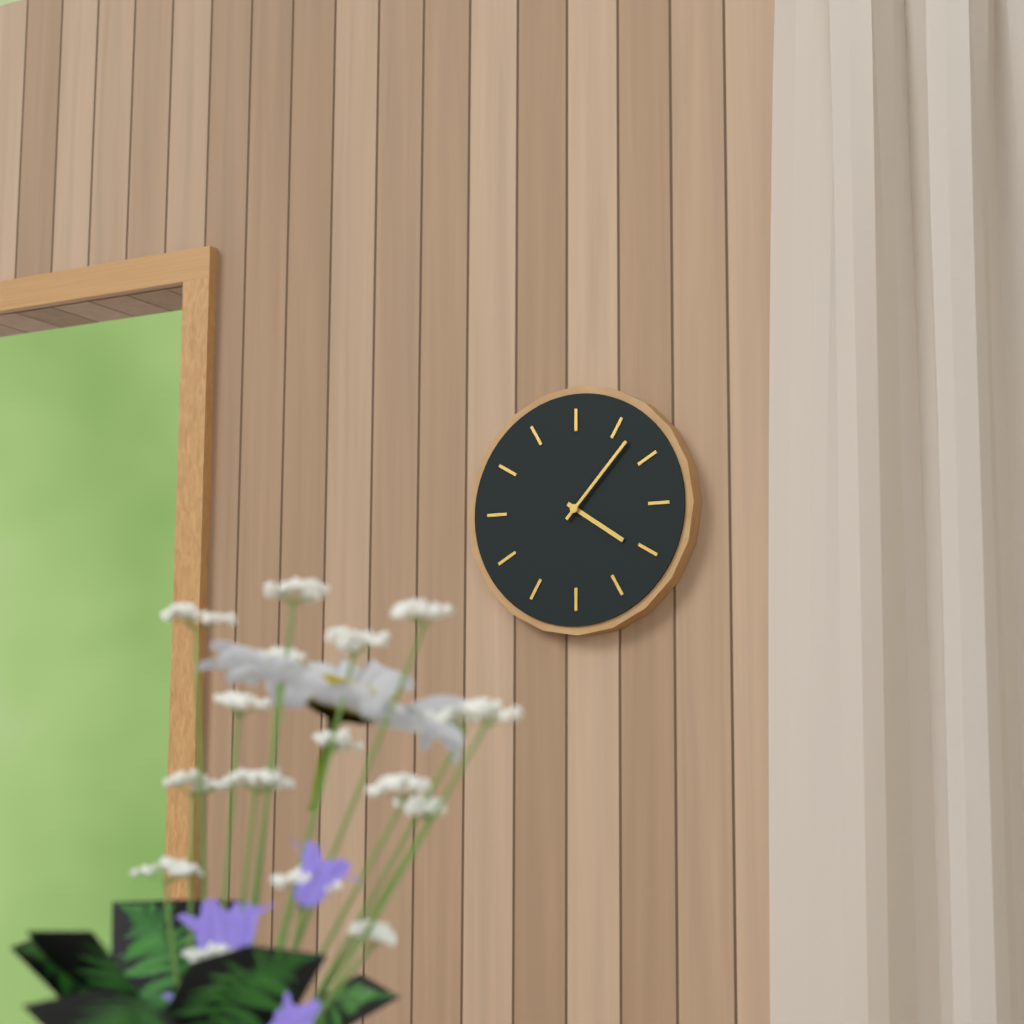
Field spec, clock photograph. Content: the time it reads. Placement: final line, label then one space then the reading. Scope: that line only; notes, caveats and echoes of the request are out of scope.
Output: 4:07
